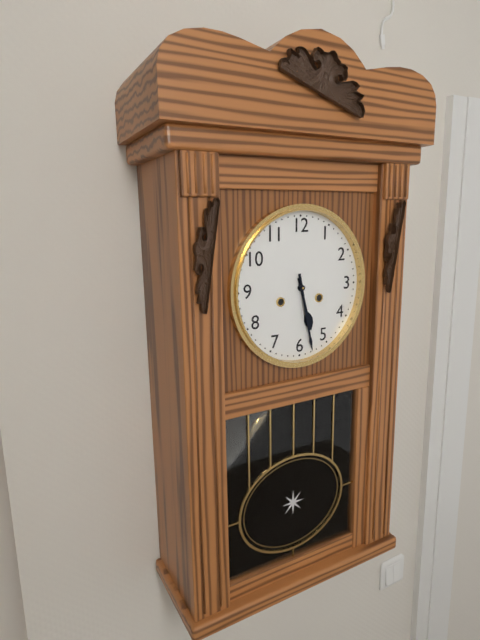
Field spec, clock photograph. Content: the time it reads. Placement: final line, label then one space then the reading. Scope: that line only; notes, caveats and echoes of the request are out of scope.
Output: 5:28
